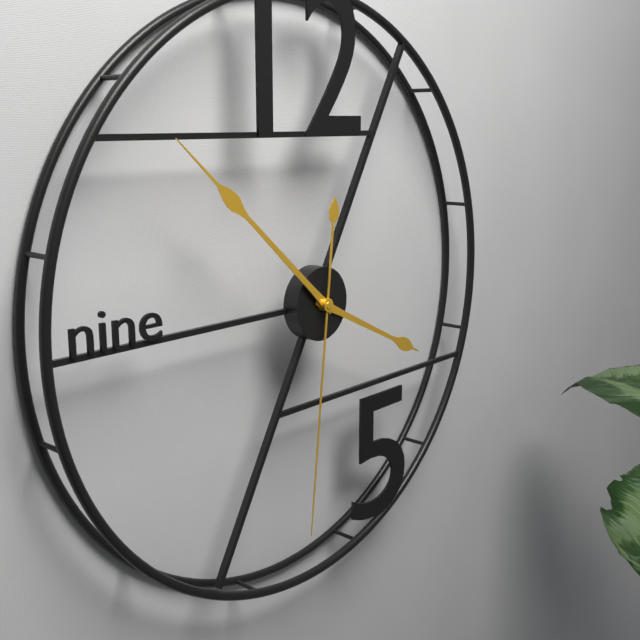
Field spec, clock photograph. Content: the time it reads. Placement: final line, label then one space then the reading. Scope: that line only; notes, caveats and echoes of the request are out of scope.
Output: 3:52:31
